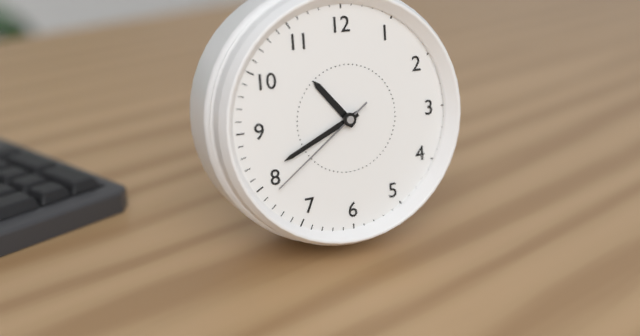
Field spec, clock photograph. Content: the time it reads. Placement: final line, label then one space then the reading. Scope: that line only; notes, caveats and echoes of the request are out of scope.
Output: 10:41:39
